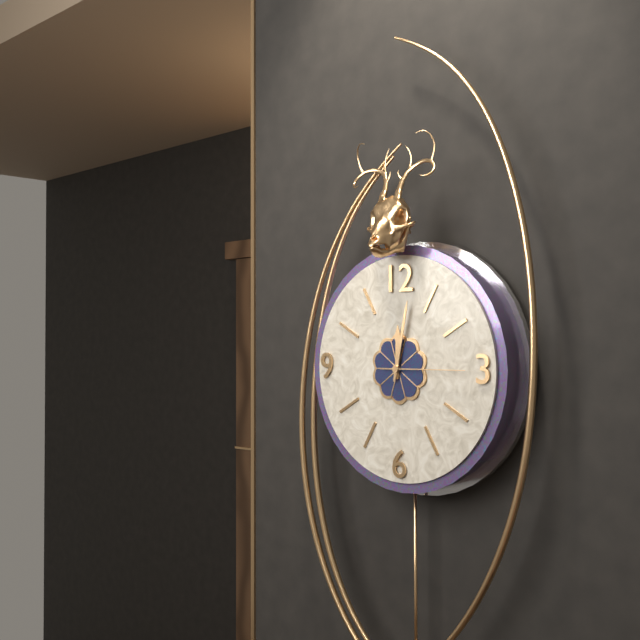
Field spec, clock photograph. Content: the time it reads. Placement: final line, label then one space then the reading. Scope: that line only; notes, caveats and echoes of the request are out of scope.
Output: 12:02:15
